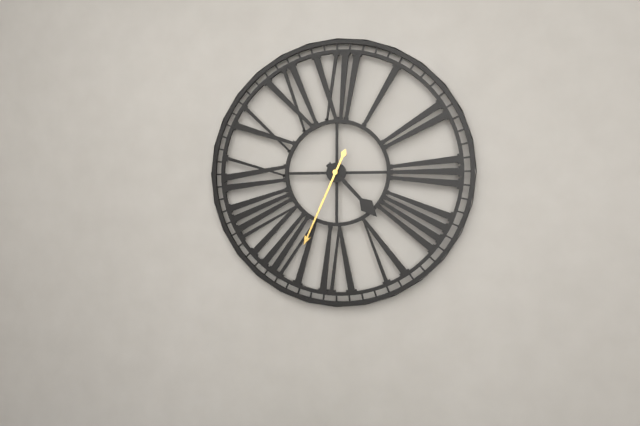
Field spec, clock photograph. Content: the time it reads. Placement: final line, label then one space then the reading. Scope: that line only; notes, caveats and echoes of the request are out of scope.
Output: 4:34
